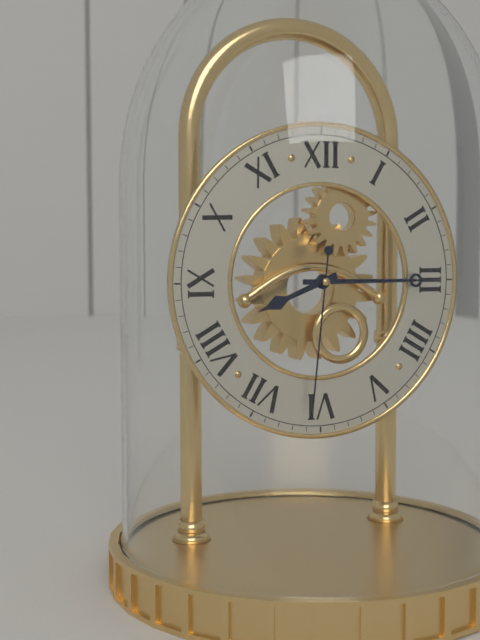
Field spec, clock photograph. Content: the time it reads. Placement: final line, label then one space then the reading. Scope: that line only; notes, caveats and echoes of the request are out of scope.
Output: 8:15:31
